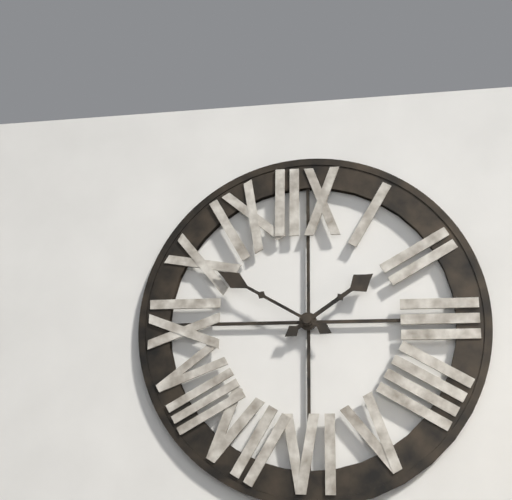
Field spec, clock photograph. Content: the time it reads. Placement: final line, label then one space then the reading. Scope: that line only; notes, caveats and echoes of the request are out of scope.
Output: 1:50
